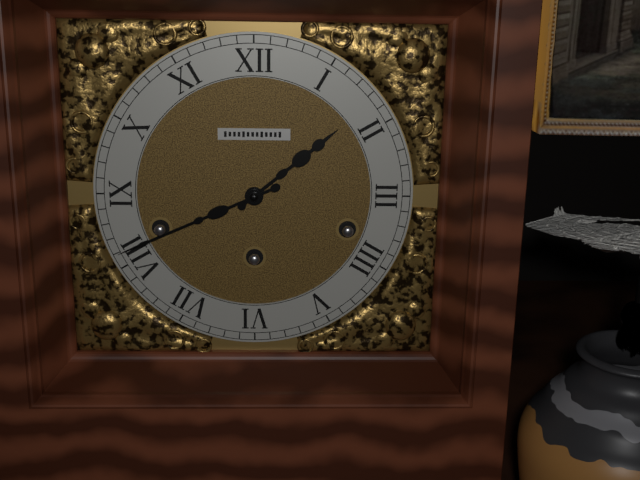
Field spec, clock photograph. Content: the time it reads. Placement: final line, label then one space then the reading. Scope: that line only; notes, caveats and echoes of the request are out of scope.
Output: 1:41
